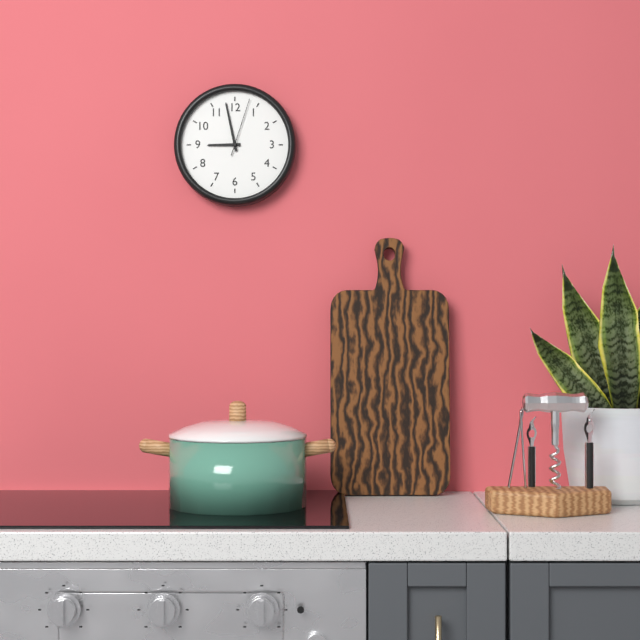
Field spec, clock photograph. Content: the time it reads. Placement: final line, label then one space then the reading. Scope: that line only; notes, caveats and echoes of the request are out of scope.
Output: 8:58:03
